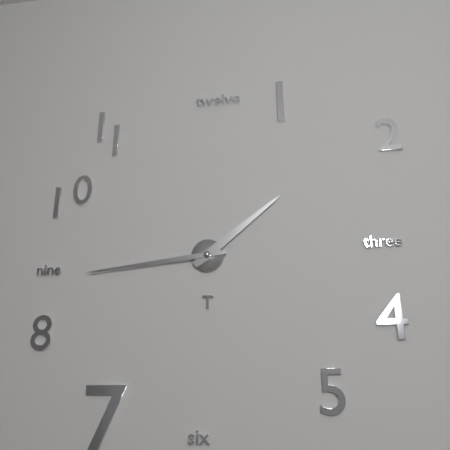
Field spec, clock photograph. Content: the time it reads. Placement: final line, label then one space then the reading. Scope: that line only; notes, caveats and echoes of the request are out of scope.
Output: 1:44
